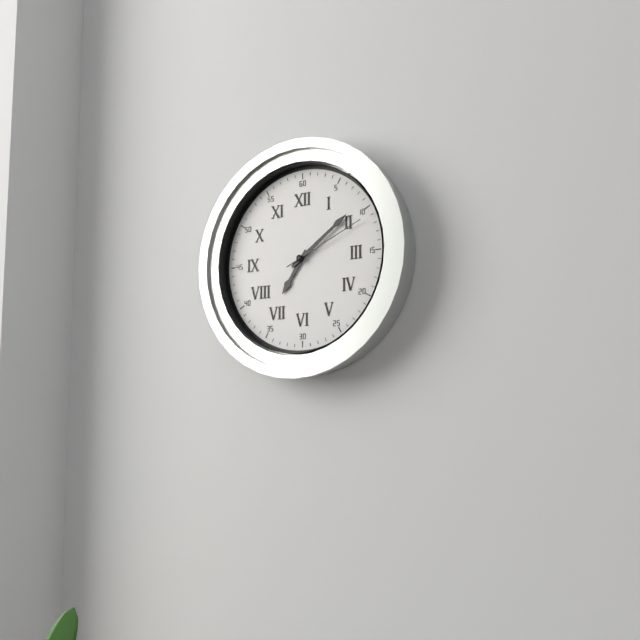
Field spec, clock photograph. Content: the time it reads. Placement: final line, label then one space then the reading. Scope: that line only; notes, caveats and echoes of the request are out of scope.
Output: 7:09:11
